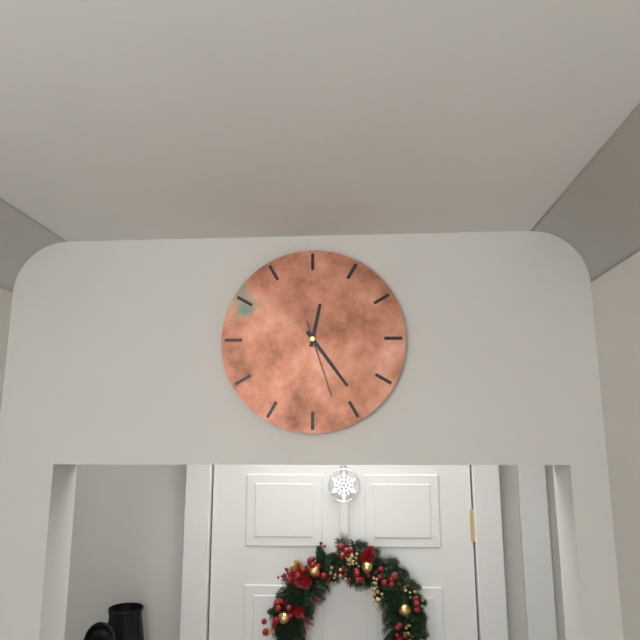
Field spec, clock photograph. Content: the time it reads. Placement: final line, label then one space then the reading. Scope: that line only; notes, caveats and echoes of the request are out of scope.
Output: 12:24:27
